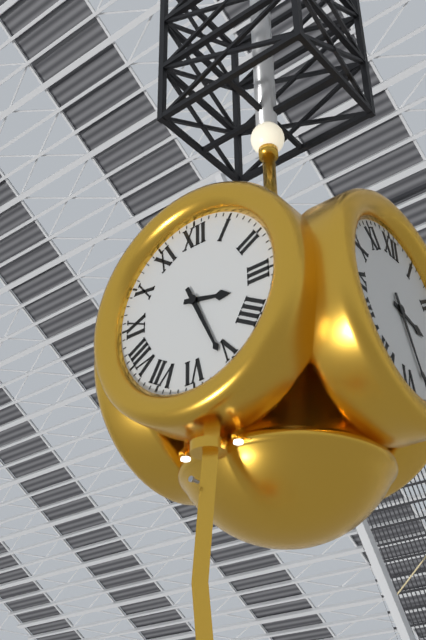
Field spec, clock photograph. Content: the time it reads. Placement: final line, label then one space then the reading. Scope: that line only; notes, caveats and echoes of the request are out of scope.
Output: 3:26
